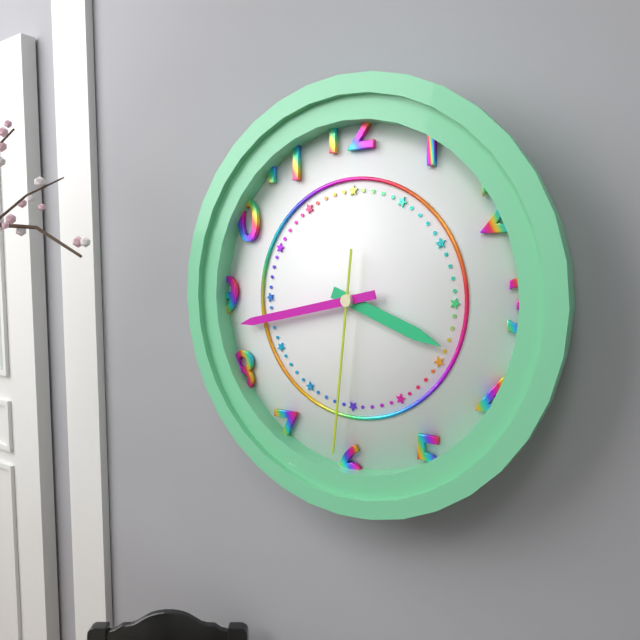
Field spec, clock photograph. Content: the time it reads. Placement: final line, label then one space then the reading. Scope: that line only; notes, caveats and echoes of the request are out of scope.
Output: 3:43:31
